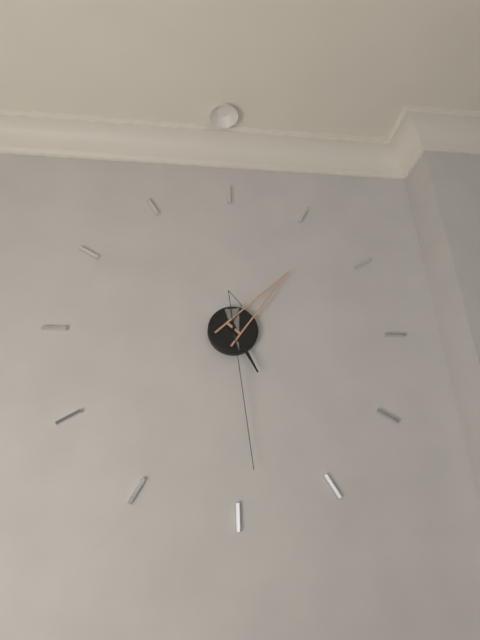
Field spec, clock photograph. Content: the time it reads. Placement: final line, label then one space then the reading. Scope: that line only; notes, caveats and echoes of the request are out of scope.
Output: 5:07:29
